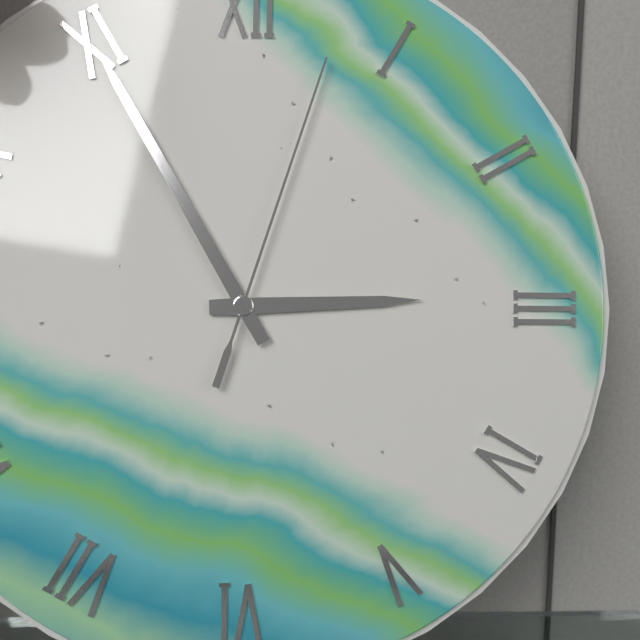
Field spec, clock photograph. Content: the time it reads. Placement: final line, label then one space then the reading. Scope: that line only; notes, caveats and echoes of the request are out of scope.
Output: 2:55:03
